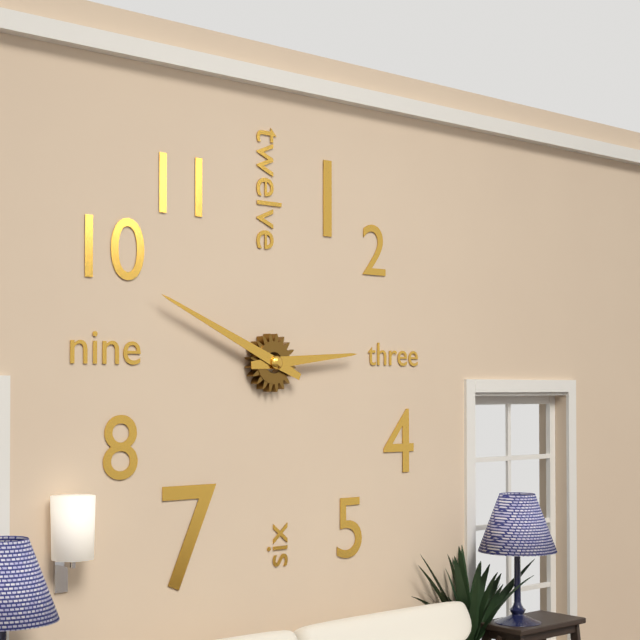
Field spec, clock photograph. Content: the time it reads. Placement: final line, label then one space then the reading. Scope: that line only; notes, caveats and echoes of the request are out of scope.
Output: 2:49
